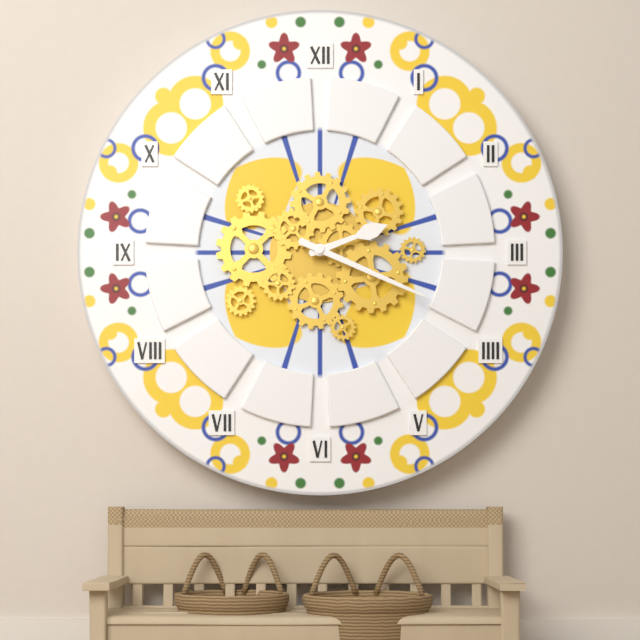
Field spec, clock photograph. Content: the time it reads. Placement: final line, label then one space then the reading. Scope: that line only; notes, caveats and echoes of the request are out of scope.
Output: 2:19
